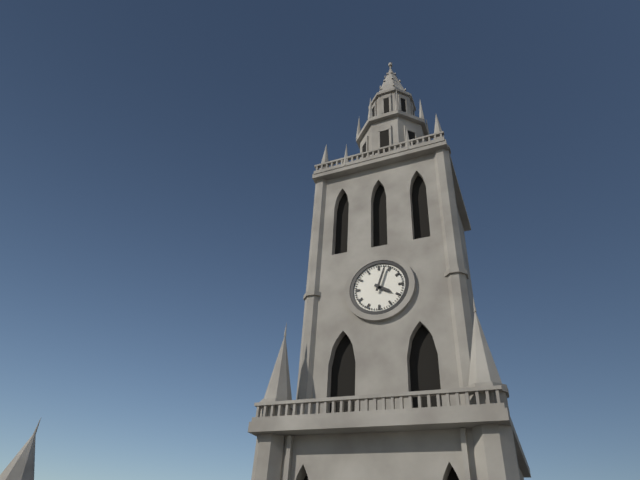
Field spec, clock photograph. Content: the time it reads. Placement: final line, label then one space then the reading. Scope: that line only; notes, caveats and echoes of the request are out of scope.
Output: 4:03
